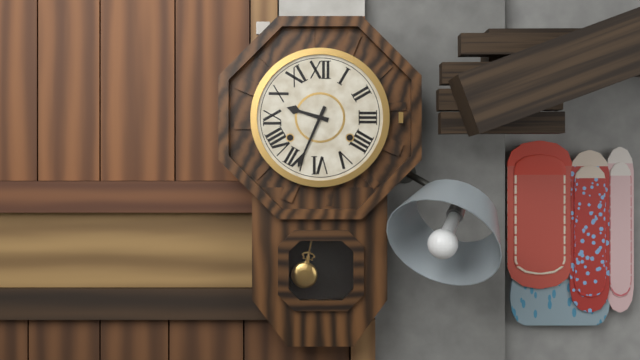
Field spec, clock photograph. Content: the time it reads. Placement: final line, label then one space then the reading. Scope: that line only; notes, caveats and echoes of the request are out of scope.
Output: 9:34
